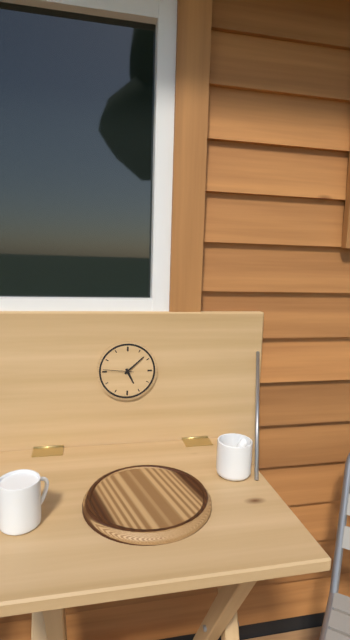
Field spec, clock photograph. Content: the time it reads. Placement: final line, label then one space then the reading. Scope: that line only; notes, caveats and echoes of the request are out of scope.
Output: 5:08
